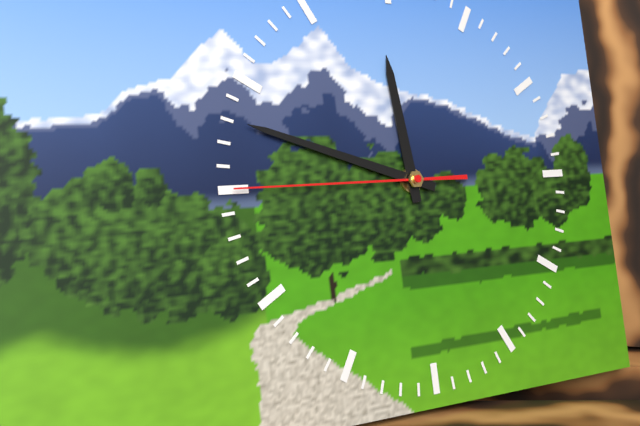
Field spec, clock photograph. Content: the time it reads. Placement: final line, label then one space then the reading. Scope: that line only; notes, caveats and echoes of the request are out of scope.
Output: 11:48:45
